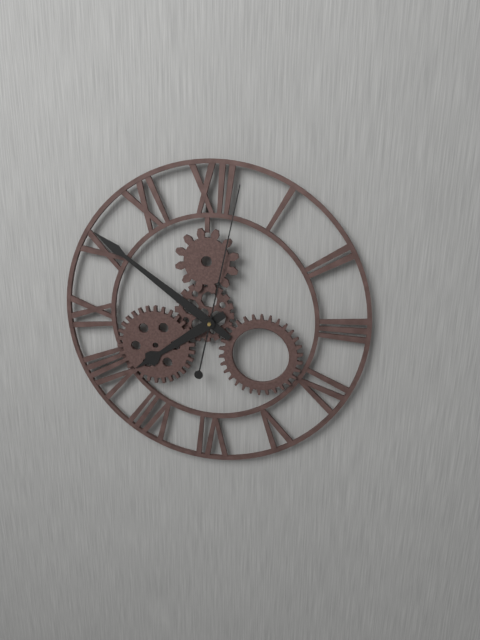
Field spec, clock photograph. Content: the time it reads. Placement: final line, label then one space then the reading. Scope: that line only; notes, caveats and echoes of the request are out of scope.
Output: 7:51:02
